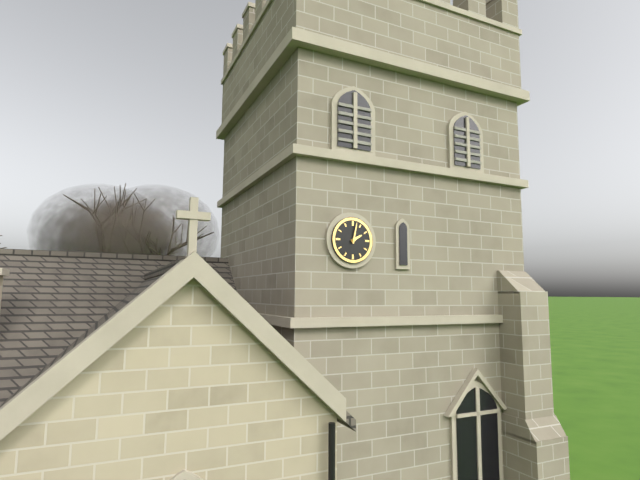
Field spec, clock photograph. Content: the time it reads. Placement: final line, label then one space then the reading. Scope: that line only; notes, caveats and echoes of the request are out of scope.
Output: 2:02
